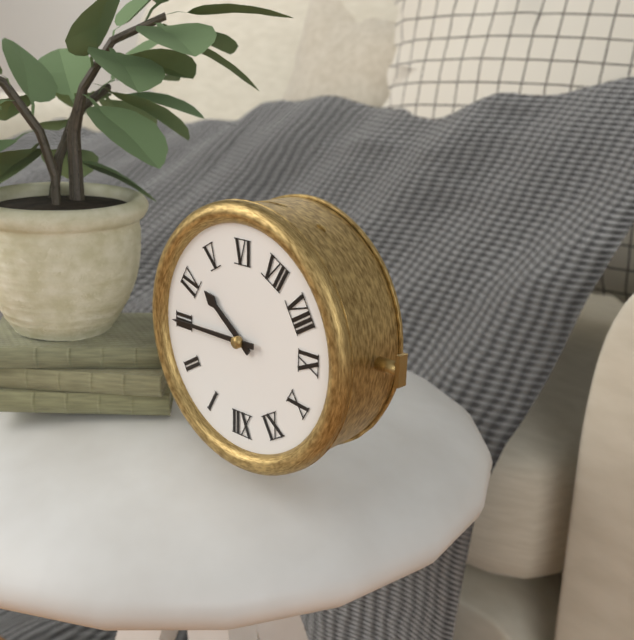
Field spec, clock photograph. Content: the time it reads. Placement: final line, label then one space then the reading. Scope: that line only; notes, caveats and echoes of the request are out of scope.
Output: 4:15
